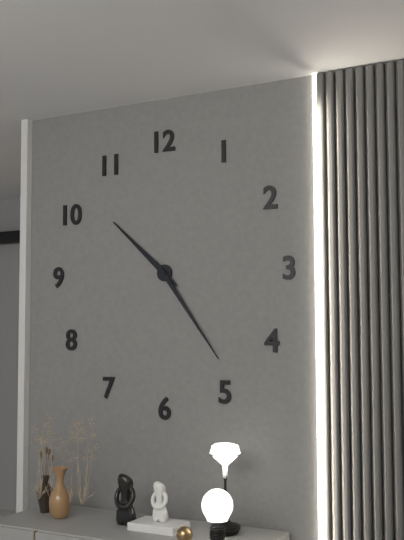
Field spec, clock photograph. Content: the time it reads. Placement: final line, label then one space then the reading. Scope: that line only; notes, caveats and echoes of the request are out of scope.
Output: 10:24
